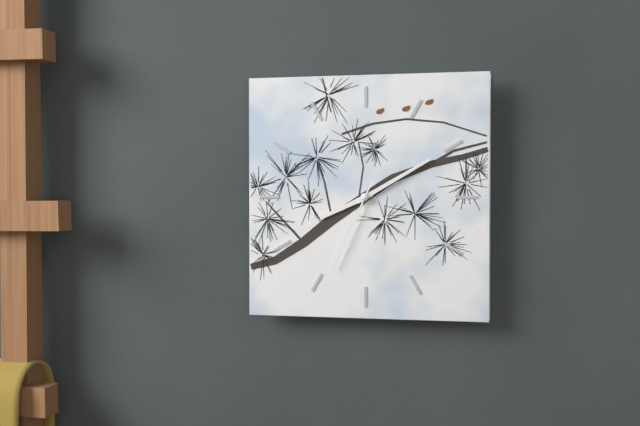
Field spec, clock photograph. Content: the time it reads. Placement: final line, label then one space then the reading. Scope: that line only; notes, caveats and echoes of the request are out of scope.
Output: 8:10:34
